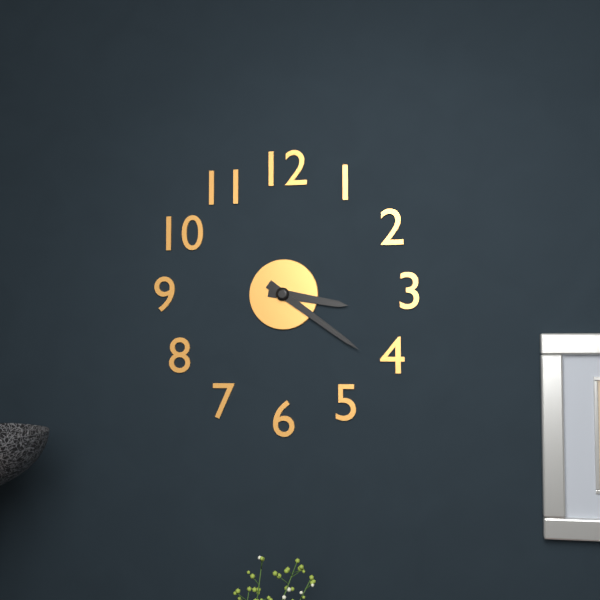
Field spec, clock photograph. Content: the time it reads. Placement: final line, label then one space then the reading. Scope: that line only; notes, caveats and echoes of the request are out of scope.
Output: 3:21
